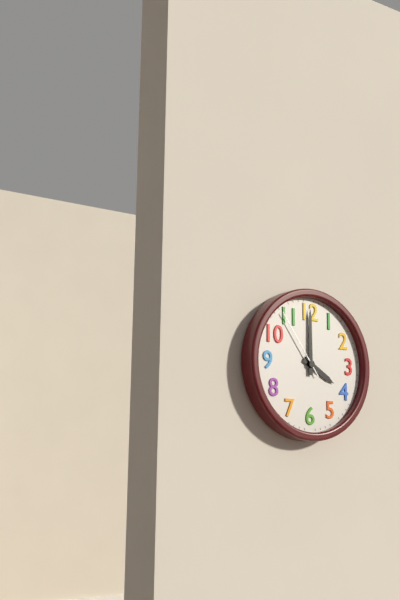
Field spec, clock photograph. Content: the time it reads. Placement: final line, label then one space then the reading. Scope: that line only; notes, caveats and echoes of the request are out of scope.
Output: 4:00:54
